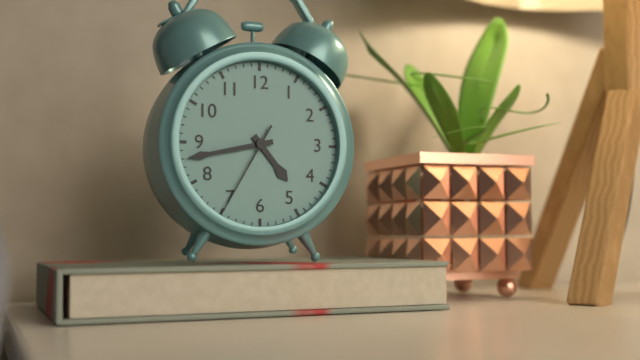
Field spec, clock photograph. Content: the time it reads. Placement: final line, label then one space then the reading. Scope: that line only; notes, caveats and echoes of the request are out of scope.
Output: 4:43:35
